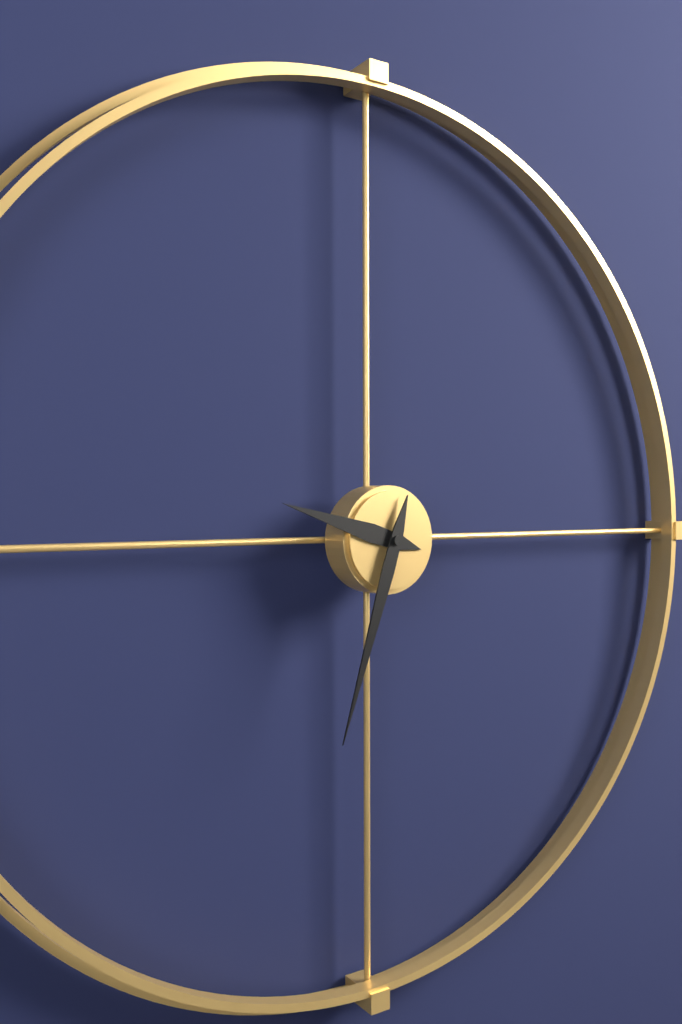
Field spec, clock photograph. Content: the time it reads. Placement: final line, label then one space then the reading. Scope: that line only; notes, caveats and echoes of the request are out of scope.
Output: 9:33
